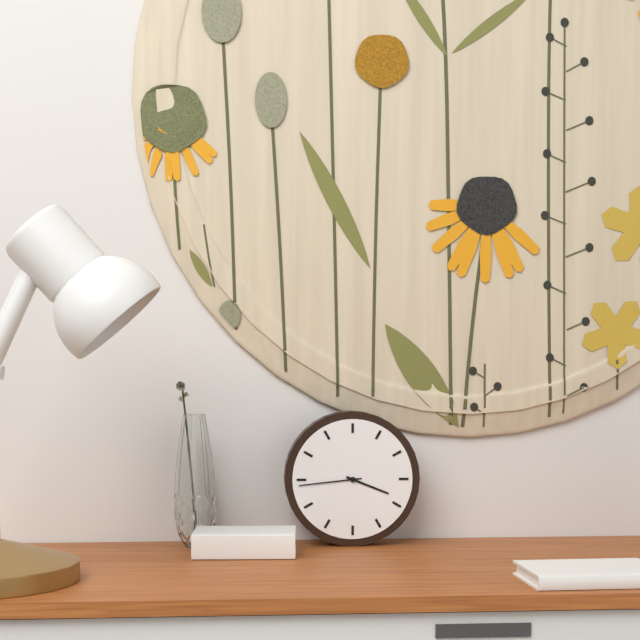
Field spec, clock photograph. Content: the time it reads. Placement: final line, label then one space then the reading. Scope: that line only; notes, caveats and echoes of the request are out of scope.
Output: 3:44
